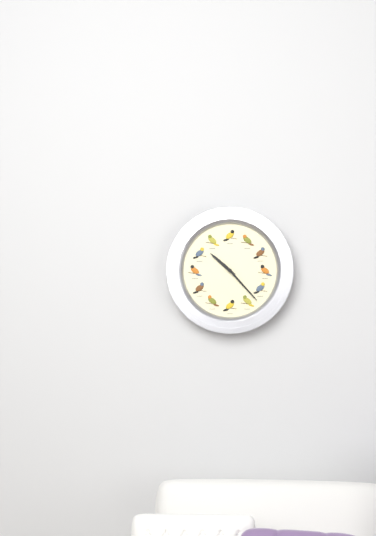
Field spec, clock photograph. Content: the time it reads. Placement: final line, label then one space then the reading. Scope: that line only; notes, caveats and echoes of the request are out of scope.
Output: 10:23
